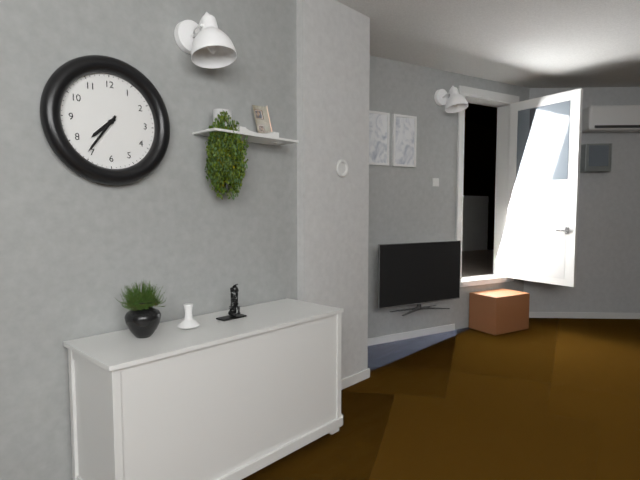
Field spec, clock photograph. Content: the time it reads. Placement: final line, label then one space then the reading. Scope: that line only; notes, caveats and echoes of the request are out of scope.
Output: 7:36
